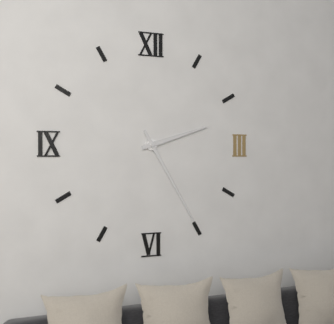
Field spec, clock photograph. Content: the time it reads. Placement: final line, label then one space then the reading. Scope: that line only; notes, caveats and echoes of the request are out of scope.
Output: 2:25
